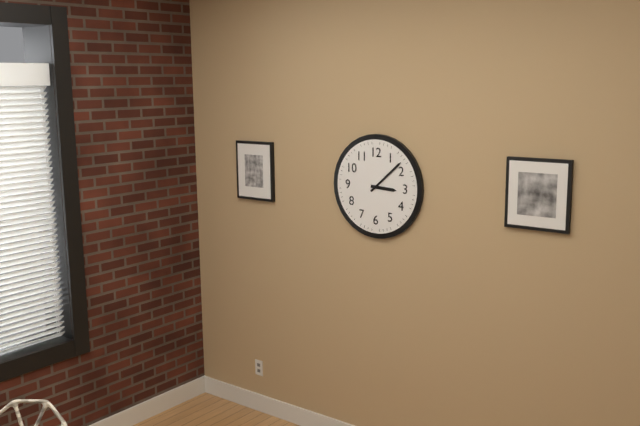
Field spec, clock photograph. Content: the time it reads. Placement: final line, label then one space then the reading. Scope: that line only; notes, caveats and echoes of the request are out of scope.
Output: 3:08
